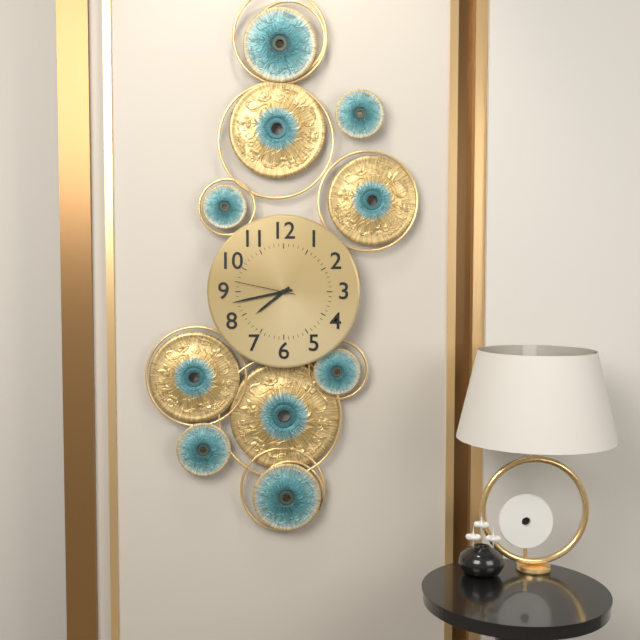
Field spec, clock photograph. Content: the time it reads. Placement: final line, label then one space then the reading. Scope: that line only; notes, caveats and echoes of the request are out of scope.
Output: 7:43:47
